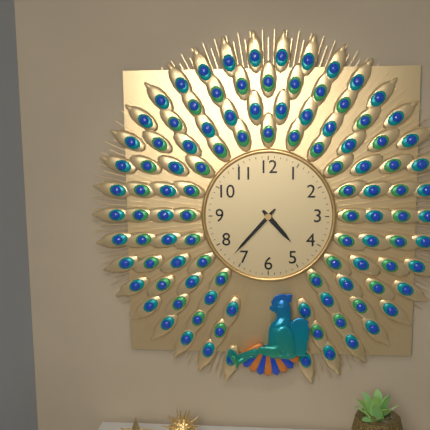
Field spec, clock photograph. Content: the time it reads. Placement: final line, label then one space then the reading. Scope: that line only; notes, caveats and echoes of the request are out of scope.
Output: 4:37
